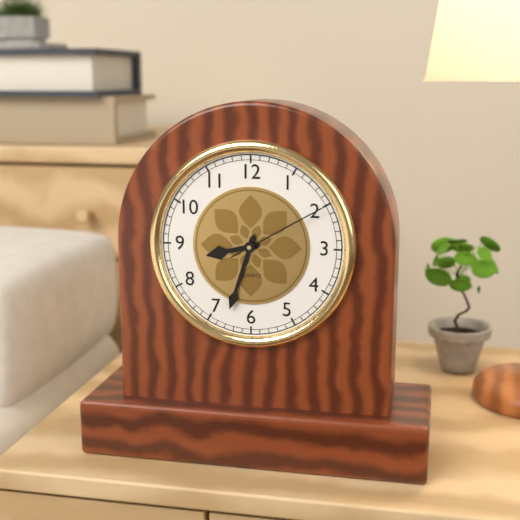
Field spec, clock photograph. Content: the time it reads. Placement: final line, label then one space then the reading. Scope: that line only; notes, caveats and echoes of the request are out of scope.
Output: 8:33:10
